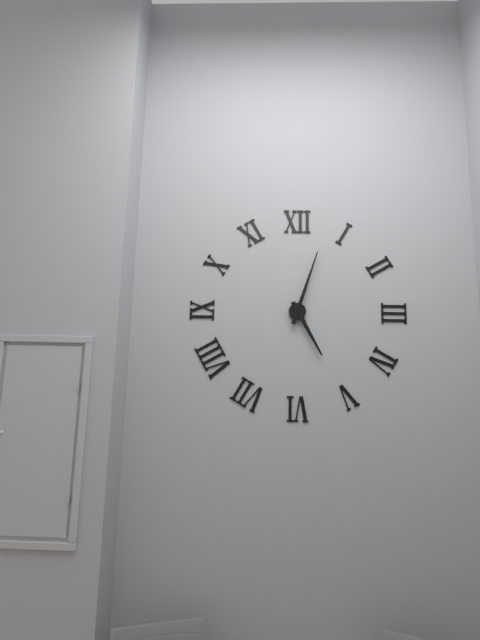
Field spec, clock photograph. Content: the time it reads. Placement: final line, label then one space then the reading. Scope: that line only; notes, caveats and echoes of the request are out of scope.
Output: 5:03
